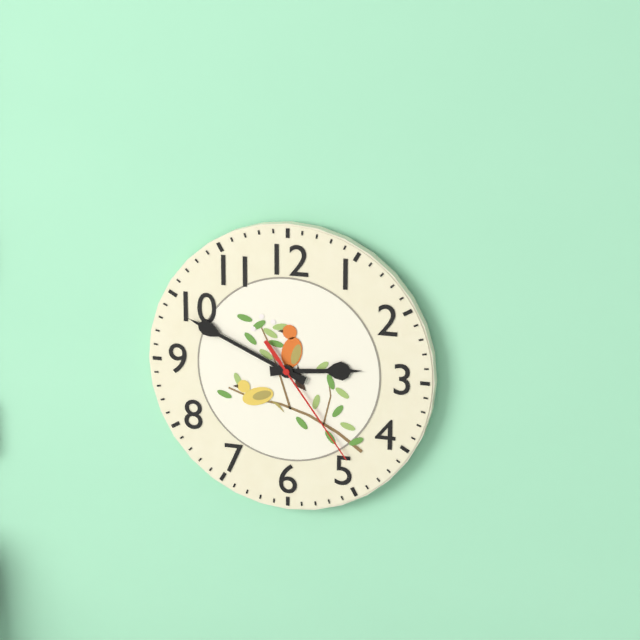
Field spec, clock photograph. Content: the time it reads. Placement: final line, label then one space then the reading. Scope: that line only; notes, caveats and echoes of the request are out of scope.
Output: 2:49:24
